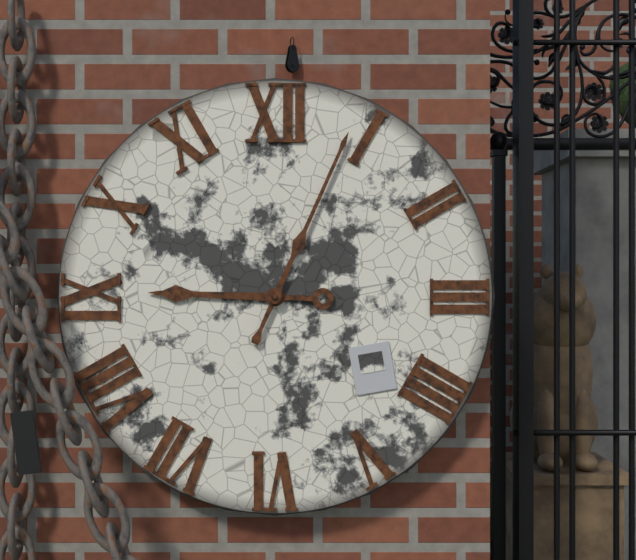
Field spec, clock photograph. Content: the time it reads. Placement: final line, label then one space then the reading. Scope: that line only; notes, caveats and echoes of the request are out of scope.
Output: 9:04
